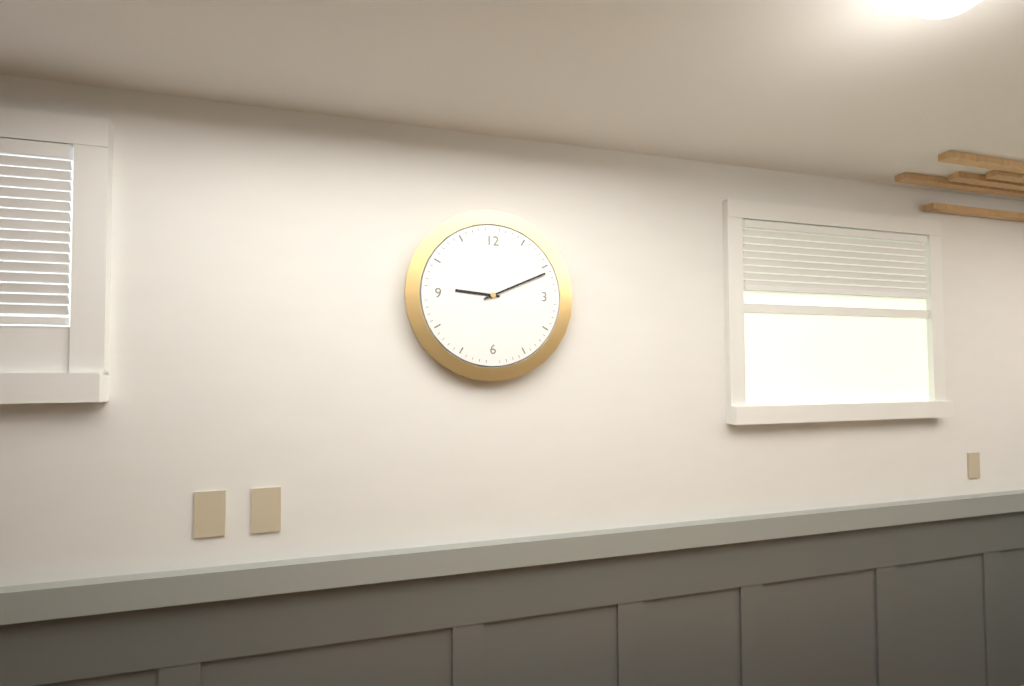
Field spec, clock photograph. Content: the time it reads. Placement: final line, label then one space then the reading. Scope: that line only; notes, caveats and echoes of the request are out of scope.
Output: 9:11
